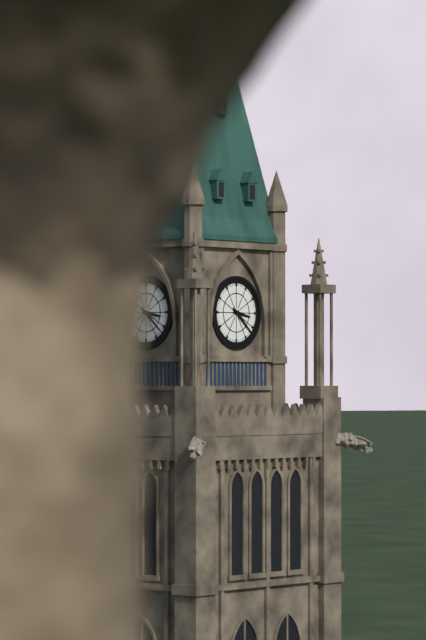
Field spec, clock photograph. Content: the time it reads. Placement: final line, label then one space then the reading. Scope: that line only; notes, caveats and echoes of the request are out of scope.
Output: 3:22
